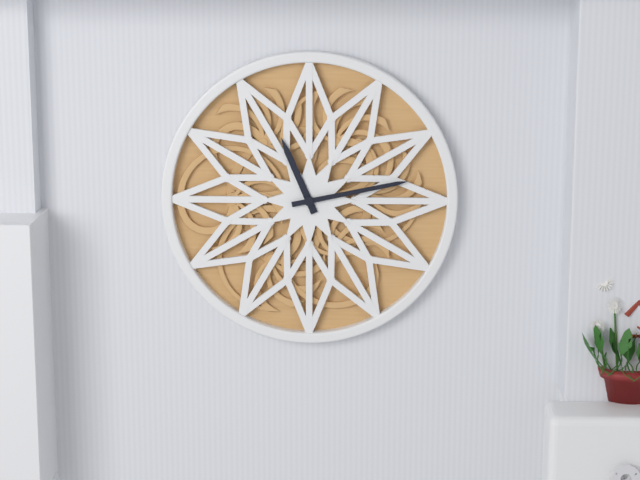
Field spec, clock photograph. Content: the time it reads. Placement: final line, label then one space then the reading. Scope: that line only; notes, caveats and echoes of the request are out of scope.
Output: 11:13
